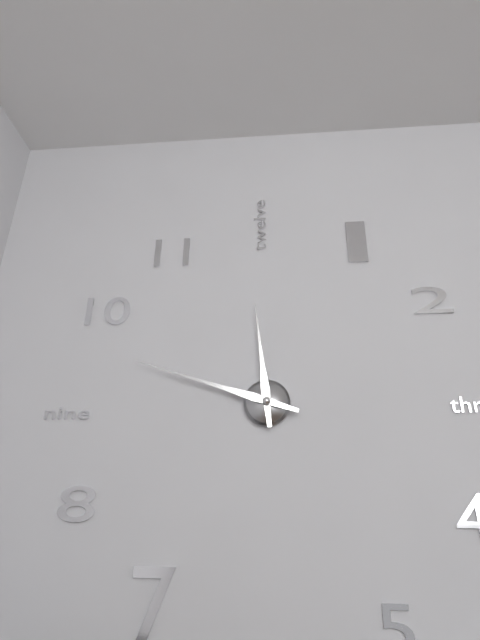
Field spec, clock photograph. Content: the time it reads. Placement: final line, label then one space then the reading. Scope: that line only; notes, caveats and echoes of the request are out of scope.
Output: 11:48
